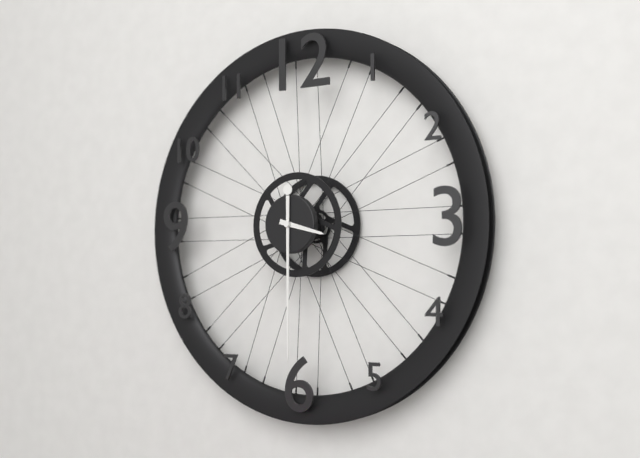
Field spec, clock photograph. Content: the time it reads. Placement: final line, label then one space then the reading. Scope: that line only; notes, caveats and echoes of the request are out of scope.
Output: 3:30
